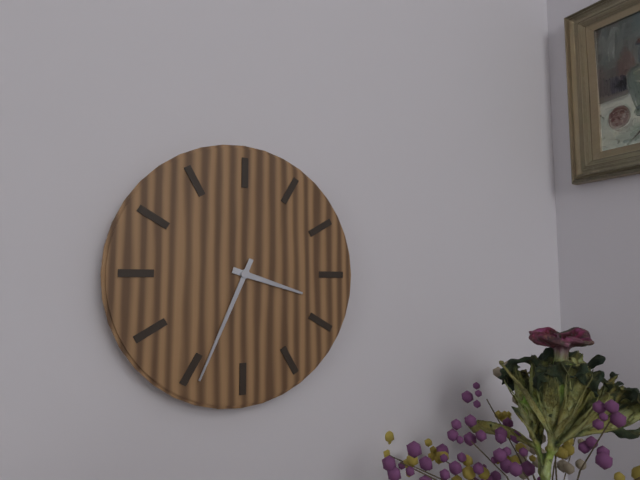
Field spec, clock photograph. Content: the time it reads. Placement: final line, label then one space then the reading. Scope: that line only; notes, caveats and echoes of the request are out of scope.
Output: 3:34
